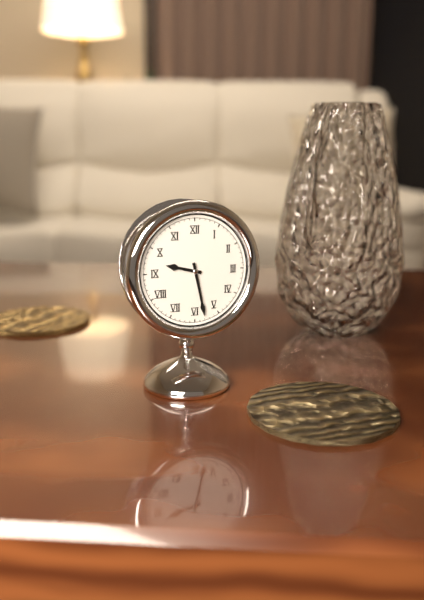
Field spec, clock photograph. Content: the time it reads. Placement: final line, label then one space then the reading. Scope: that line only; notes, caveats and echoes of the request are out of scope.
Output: 9:28
